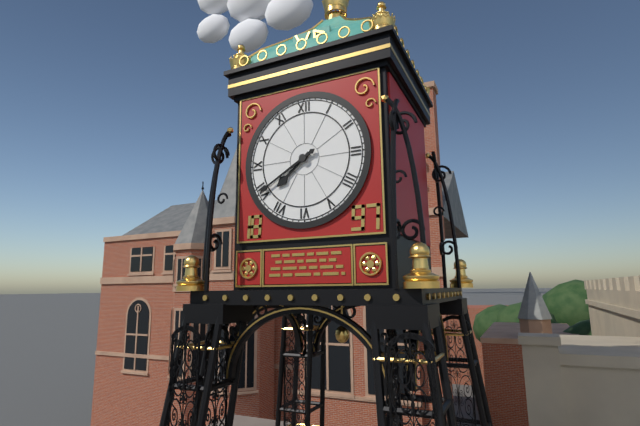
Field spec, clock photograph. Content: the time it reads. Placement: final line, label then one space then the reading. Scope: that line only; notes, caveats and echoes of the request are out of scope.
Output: 7:40
